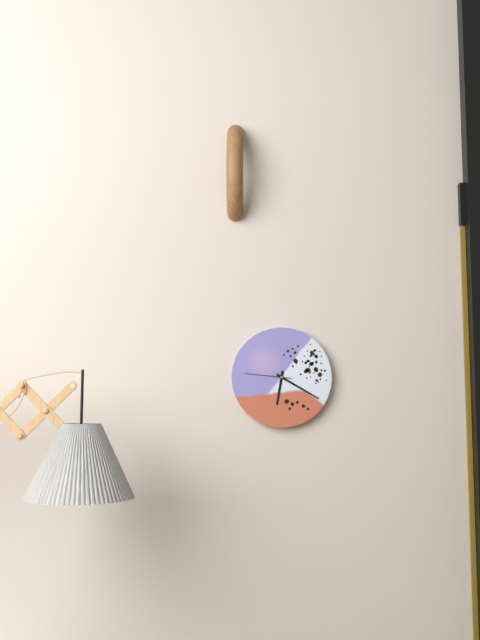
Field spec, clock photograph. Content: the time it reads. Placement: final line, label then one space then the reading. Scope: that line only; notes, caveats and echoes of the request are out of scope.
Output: 6:20
